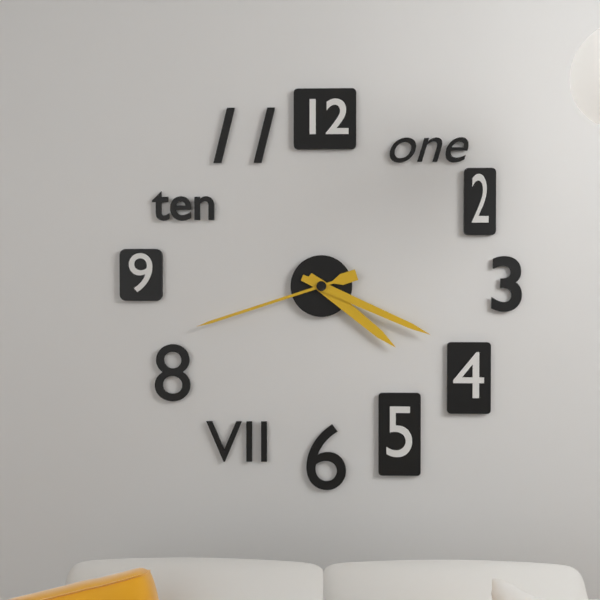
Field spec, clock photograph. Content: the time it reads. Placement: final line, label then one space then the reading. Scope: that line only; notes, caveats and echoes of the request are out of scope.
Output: 4:19:42
